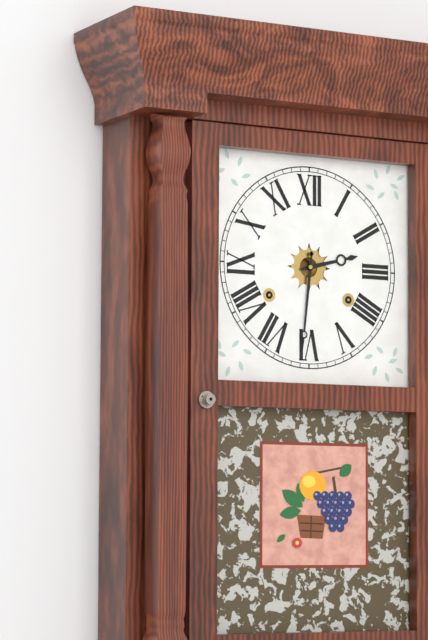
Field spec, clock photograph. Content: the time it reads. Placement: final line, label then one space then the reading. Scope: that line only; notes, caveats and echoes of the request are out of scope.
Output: 2:31
